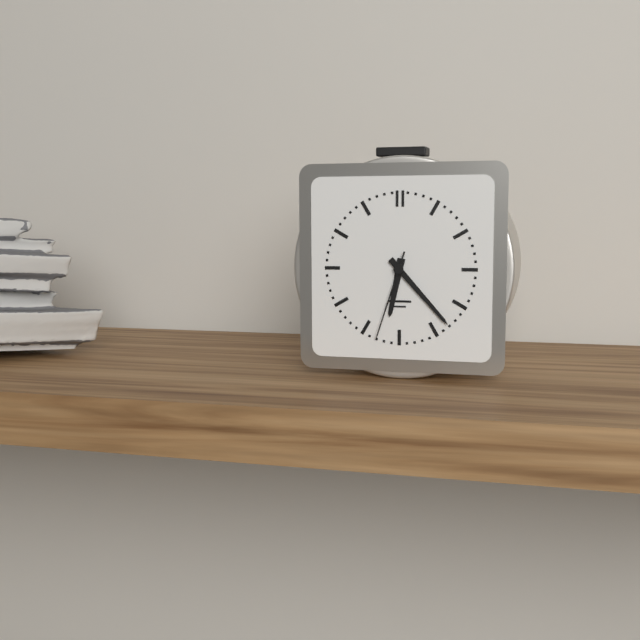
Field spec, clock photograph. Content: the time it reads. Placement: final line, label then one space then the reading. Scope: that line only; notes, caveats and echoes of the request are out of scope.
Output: 6:23:33
